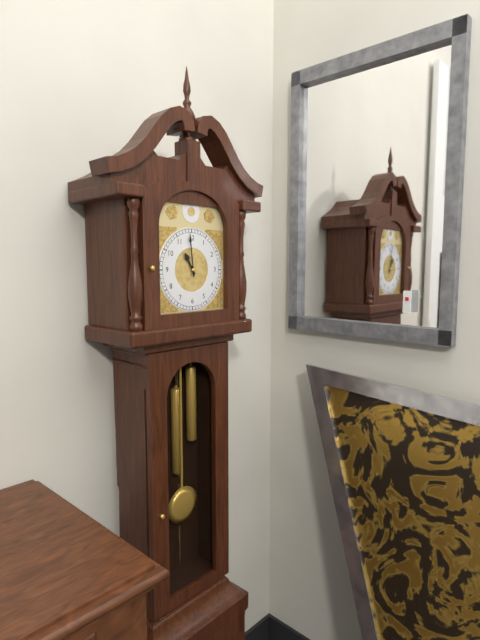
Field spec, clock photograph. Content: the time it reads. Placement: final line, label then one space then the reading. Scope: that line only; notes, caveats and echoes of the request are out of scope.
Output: 10:59
